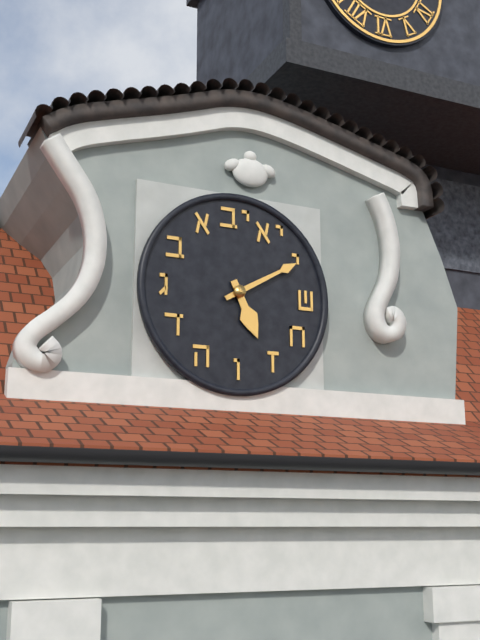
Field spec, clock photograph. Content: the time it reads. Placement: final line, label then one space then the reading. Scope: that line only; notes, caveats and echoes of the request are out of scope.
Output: 5:10
